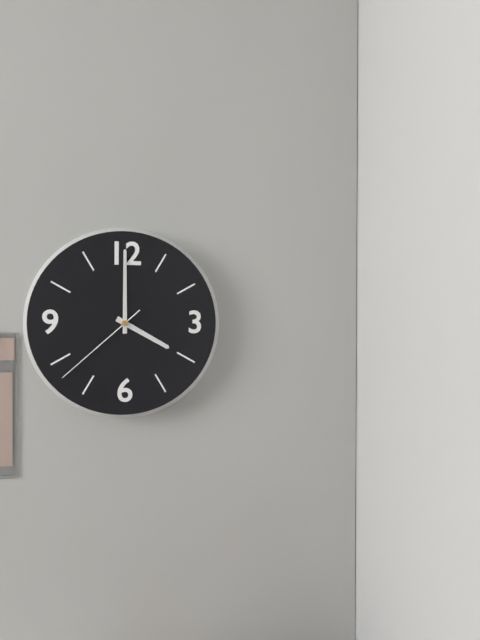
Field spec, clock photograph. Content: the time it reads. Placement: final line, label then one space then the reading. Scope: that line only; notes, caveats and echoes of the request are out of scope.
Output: 4:00:38
